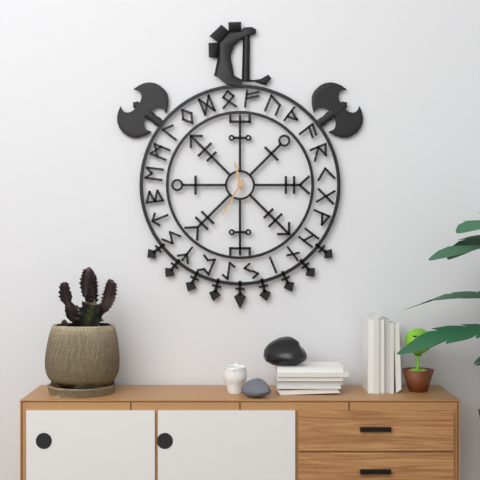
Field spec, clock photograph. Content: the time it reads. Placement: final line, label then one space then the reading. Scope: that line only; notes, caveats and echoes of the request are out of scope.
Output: 11:35
